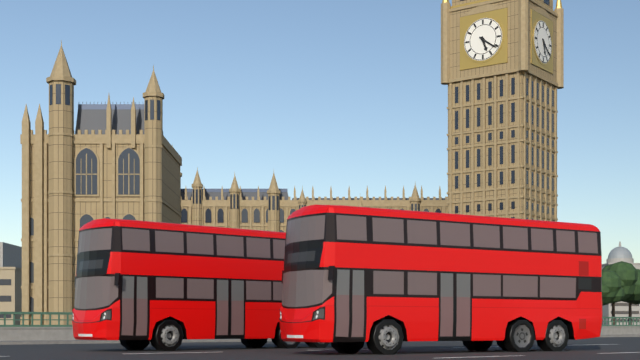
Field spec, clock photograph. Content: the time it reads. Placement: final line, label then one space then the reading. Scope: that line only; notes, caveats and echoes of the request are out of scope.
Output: 5:21
